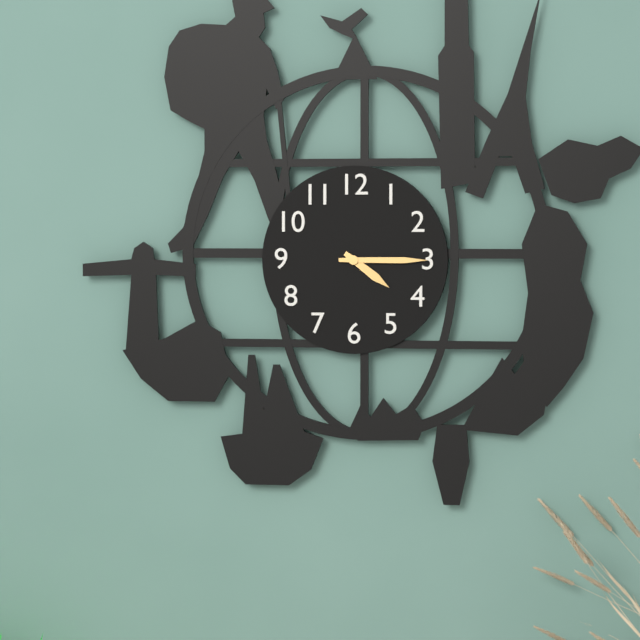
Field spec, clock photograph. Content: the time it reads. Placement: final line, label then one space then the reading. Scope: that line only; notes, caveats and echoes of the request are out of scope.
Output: 4:15
